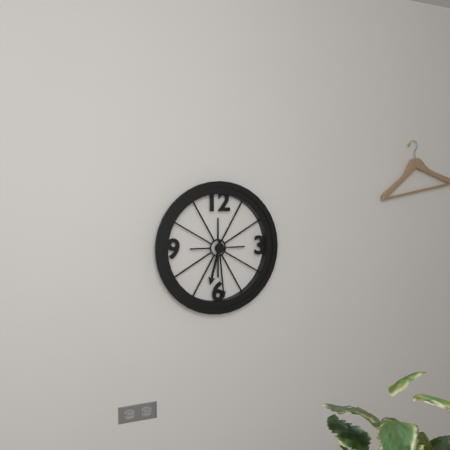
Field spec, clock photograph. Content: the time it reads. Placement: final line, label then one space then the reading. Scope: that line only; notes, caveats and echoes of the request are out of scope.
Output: 6:29
